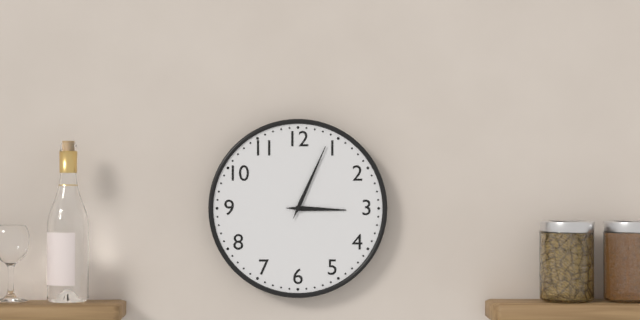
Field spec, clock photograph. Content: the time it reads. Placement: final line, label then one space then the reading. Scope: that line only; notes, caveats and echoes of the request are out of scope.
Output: 3:04
